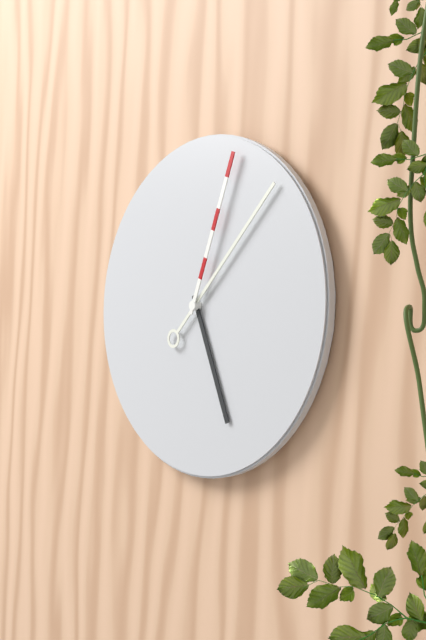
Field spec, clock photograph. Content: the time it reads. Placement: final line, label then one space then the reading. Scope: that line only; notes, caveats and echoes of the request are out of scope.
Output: 5:07:03
